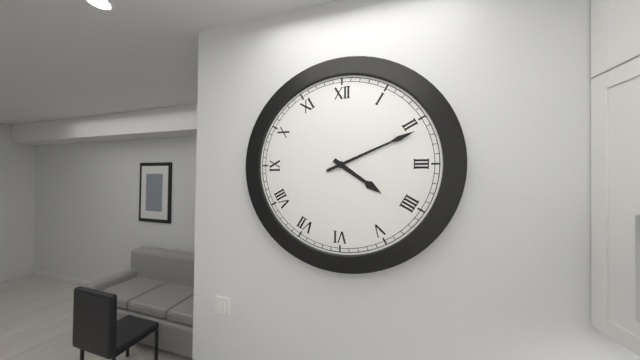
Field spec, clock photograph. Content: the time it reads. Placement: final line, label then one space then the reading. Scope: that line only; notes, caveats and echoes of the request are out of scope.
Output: 4:11
